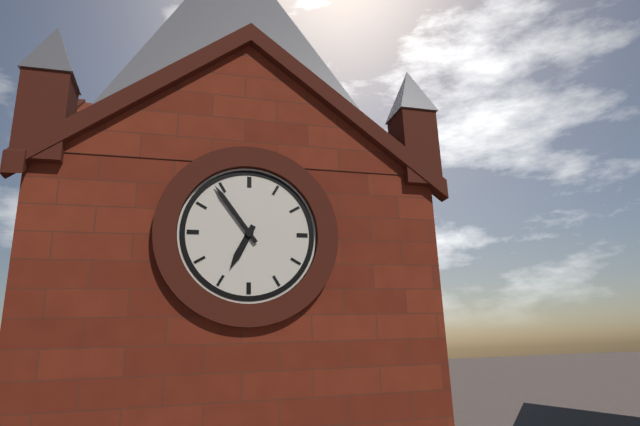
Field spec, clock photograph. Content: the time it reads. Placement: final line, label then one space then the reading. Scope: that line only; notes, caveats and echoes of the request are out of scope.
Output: 6:54
